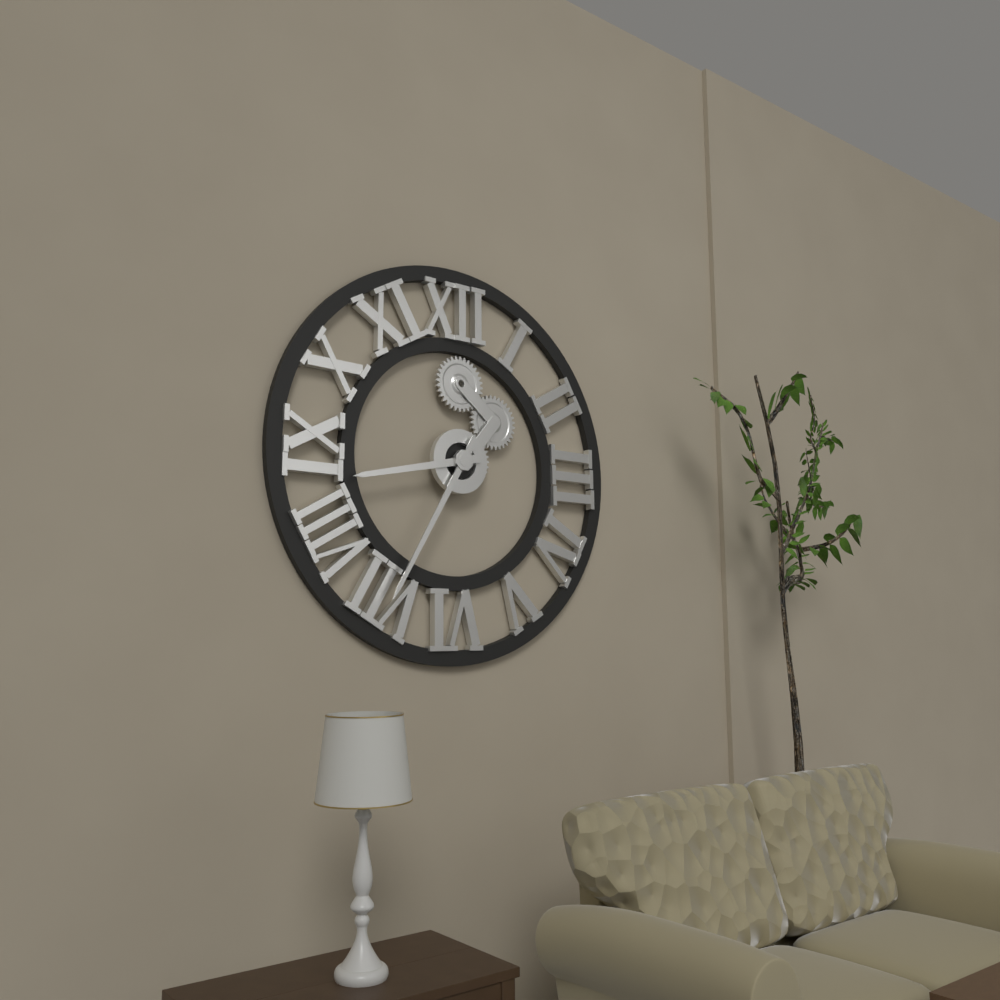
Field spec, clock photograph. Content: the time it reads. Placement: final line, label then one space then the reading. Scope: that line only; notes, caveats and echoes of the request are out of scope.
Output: 8:35
